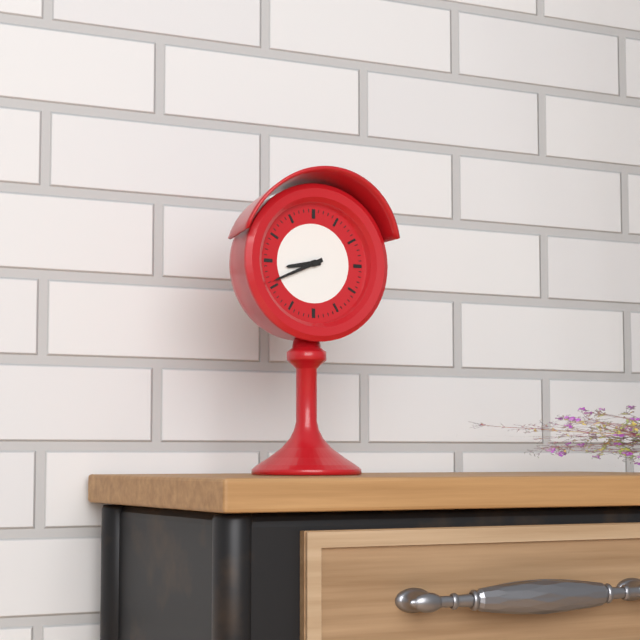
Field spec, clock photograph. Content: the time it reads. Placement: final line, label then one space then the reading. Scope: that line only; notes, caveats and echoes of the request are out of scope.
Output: 8:41
